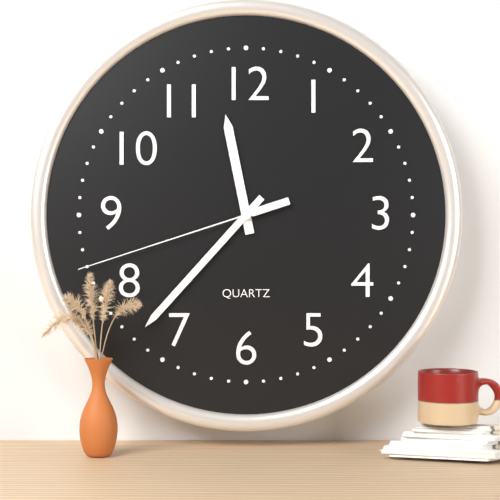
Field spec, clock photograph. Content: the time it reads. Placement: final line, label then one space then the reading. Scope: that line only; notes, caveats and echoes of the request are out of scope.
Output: 11:37:42
